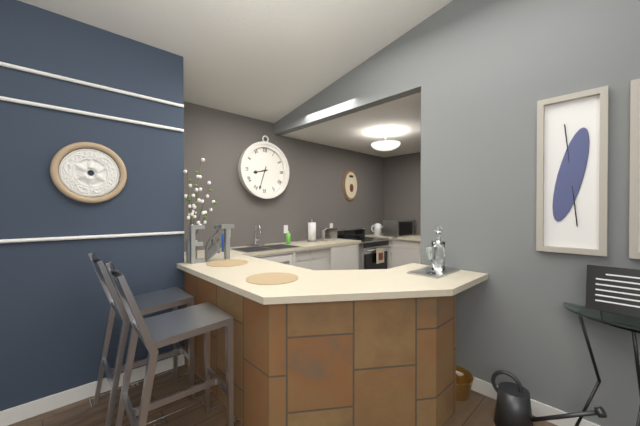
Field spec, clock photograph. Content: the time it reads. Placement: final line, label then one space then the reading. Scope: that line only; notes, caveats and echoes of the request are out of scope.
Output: 8:33
